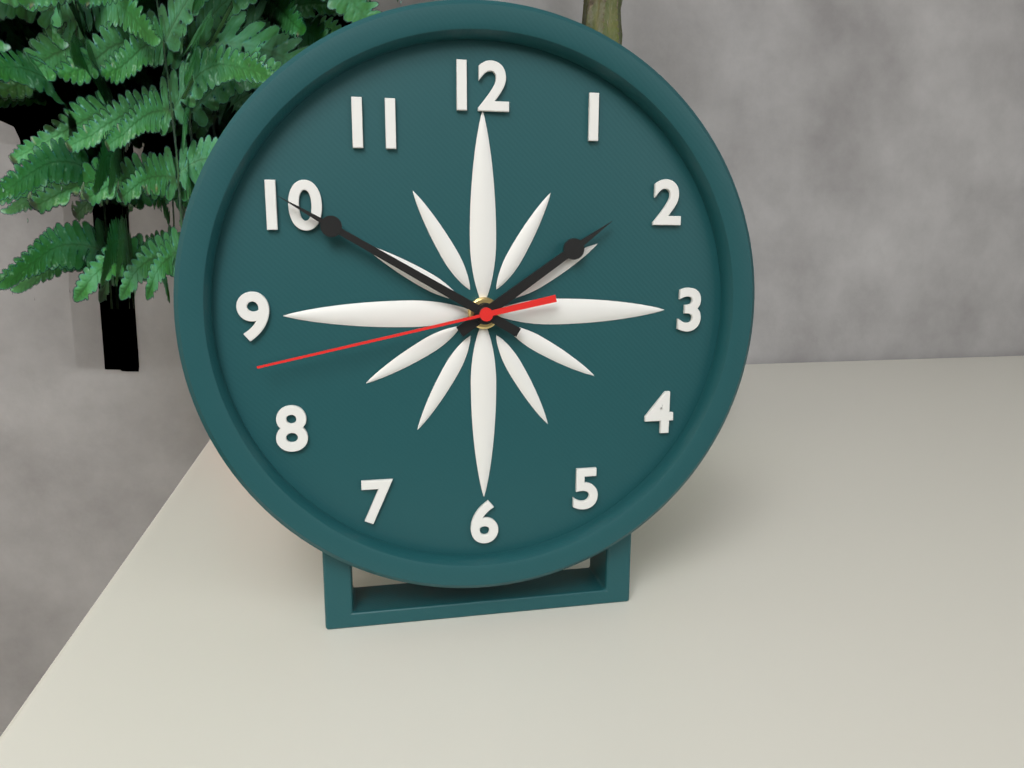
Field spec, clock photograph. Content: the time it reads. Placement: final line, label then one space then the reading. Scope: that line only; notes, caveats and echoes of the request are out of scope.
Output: 1:50:43
